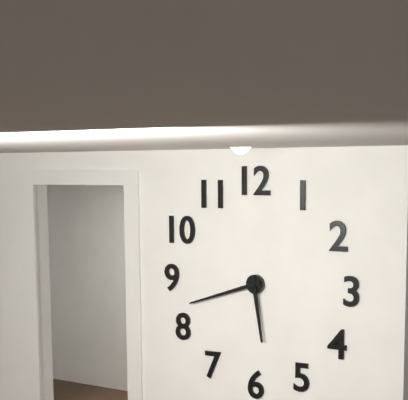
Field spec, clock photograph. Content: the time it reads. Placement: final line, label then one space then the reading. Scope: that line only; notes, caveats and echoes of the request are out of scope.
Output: 5:42
